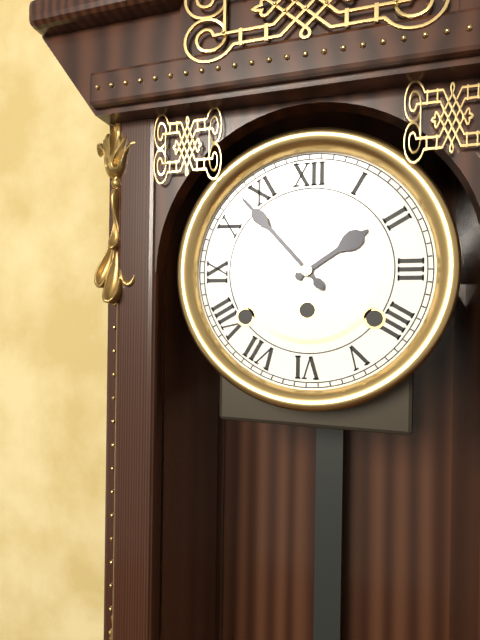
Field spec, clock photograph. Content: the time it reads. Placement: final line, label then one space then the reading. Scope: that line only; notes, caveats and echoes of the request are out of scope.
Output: 1:53
